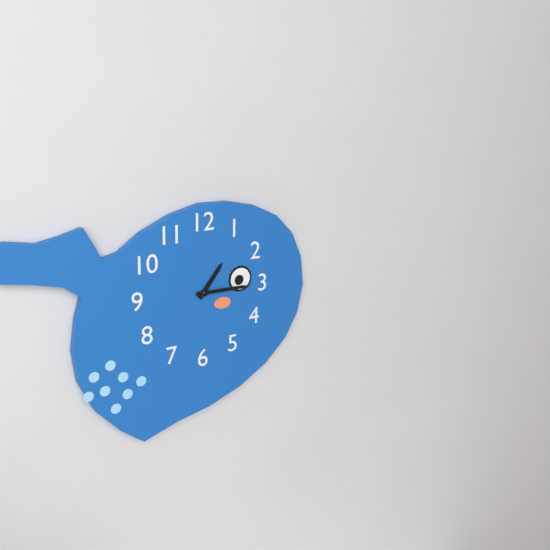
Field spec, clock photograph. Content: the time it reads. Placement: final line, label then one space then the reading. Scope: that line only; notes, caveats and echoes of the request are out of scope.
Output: 1:15
